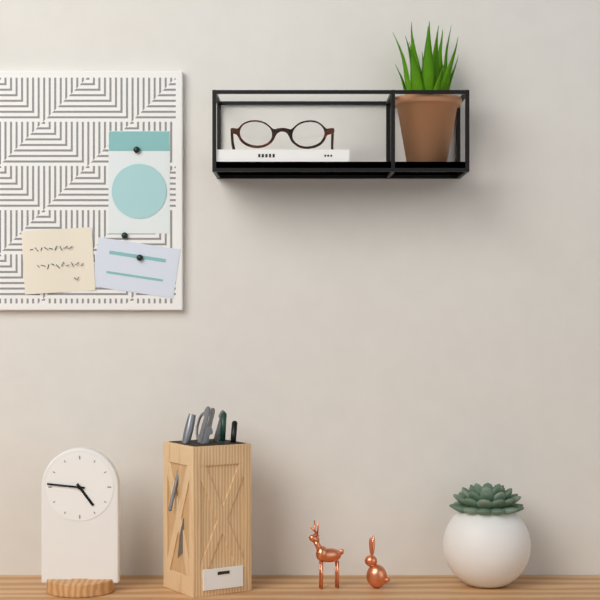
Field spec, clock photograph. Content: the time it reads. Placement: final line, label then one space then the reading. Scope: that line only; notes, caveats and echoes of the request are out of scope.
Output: 4:46
